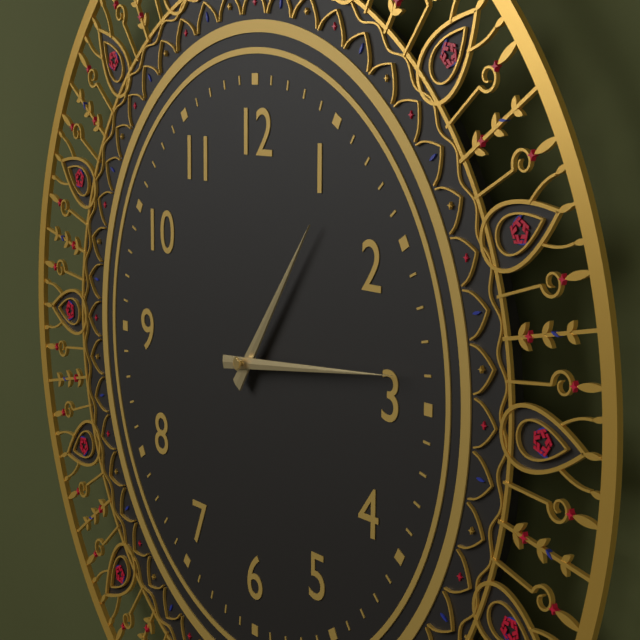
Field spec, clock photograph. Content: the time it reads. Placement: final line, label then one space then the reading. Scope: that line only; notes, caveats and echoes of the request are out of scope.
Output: 1:14
